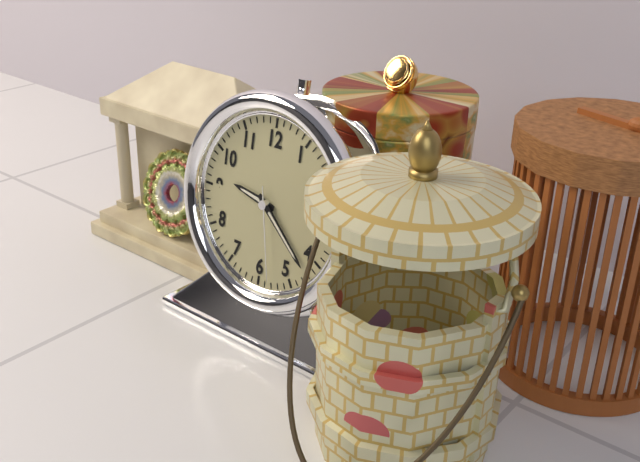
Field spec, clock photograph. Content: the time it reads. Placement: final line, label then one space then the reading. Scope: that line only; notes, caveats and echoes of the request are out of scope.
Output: 9:22:28
